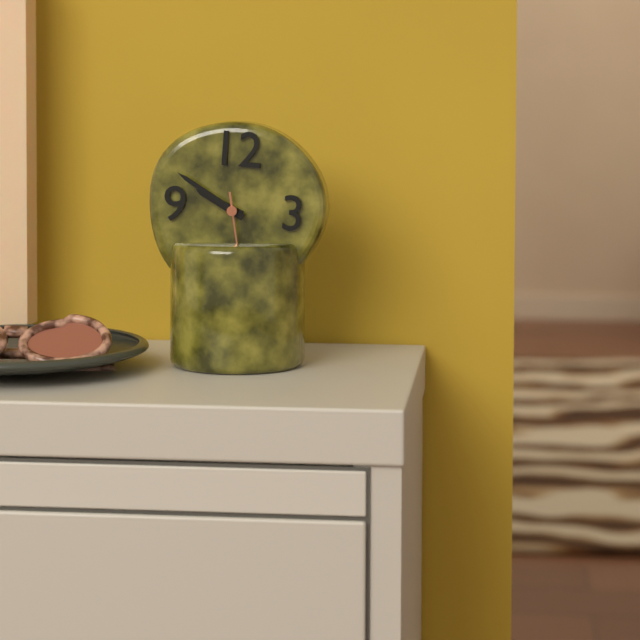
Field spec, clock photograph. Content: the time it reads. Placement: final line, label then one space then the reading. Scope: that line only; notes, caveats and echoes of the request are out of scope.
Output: 9:50
